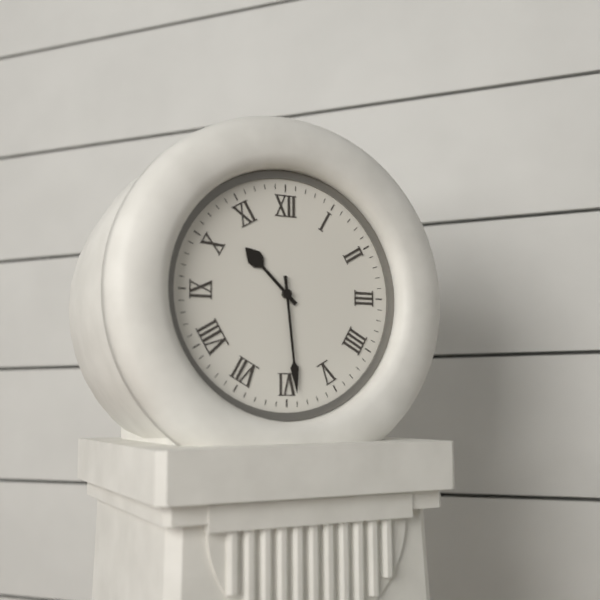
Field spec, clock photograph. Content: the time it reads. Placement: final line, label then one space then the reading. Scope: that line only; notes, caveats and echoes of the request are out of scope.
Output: 10:29
